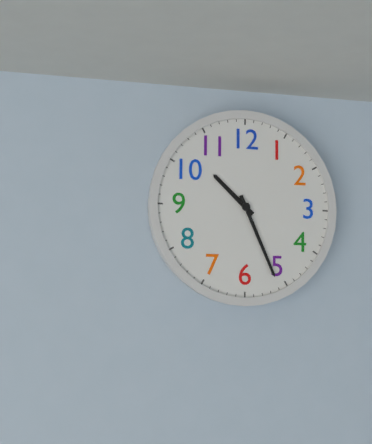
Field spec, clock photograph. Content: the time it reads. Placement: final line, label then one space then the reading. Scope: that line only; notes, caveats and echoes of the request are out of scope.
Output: 10:26
